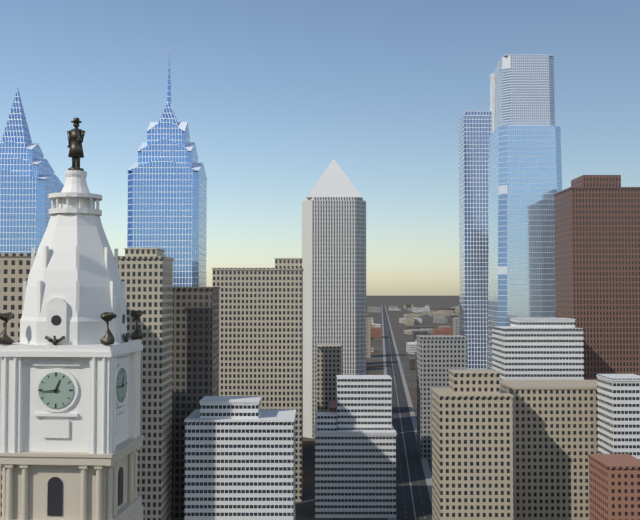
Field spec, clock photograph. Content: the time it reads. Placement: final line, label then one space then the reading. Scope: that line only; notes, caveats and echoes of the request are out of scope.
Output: 12:44
